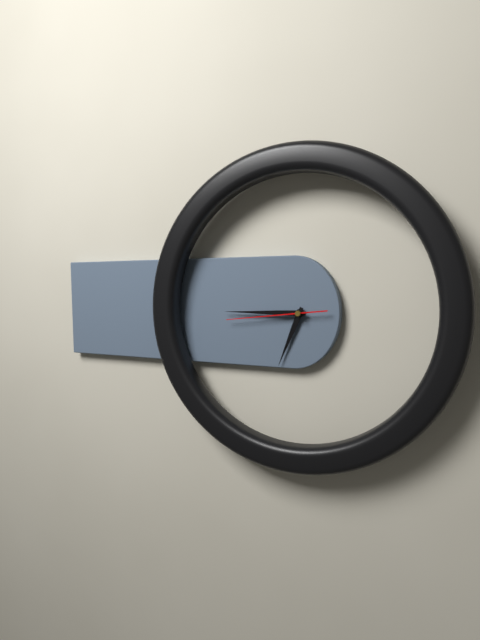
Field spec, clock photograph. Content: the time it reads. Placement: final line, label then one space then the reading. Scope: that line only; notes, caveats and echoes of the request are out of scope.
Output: 6:45:44
